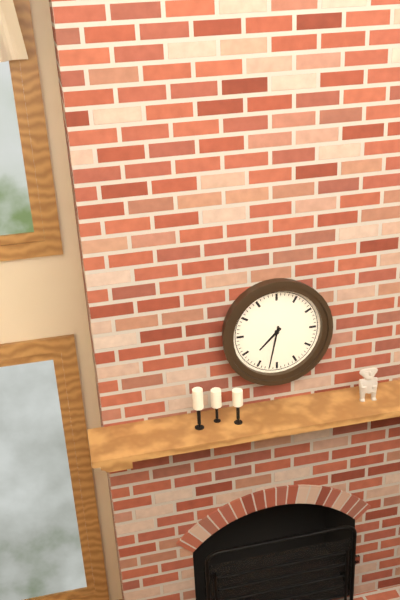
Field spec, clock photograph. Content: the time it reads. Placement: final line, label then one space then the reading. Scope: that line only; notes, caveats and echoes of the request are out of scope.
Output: 7:32
